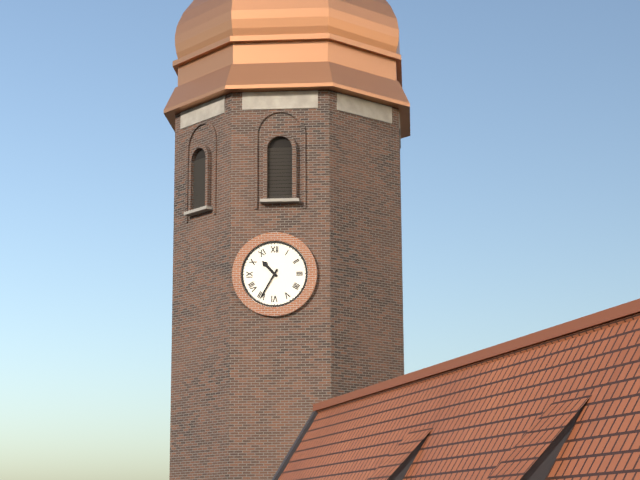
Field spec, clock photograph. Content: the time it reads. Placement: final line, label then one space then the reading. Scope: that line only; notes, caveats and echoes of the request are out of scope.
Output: 10:35
